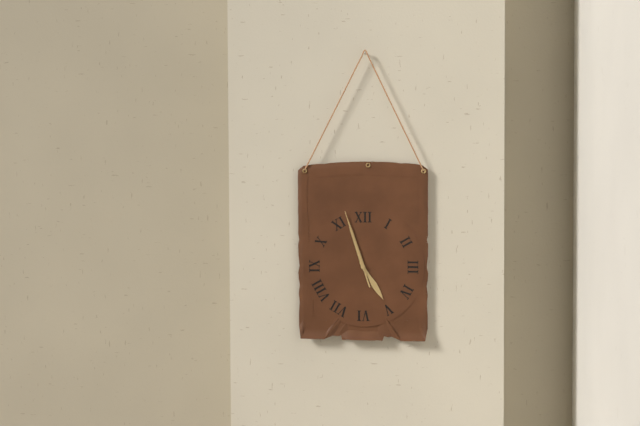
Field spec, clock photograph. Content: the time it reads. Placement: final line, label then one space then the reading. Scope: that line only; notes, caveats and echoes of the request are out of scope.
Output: 4:57:57
